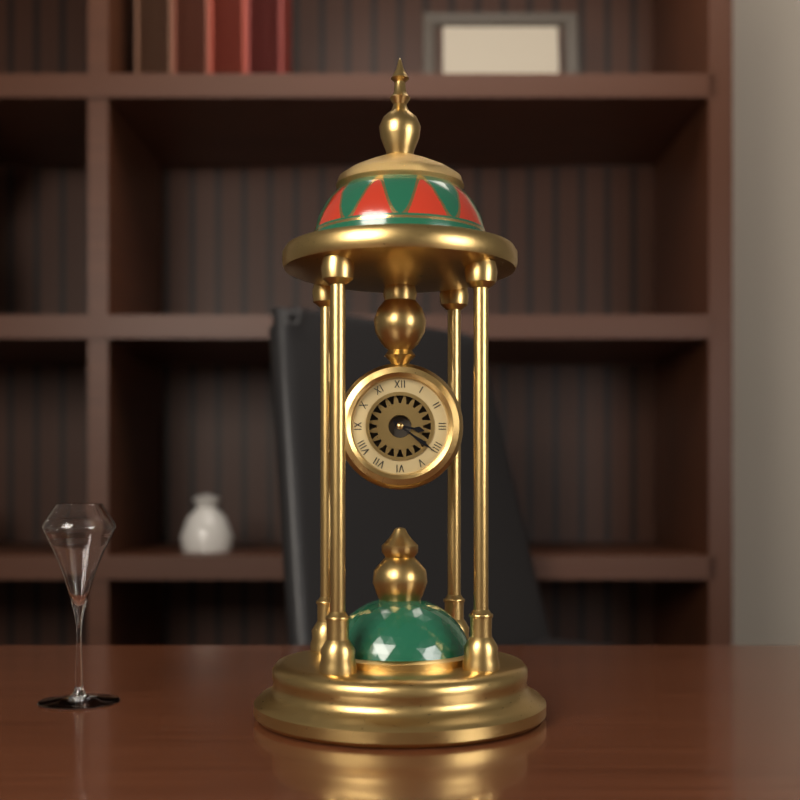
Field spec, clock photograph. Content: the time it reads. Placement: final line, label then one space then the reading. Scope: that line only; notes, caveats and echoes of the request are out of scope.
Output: 3:21
